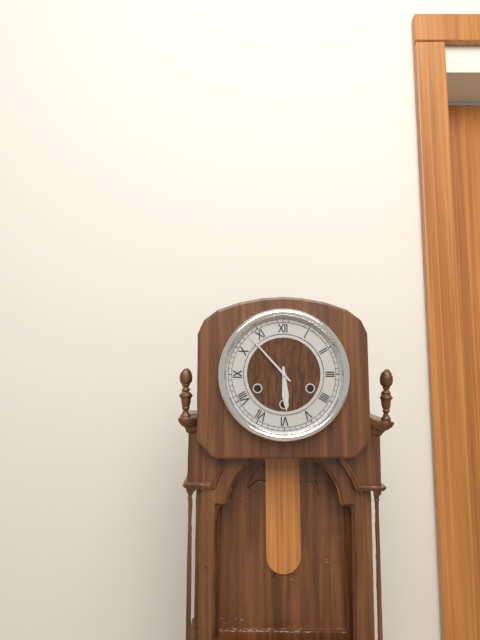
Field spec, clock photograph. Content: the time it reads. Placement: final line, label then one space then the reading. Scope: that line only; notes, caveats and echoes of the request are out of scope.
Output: 5:53
